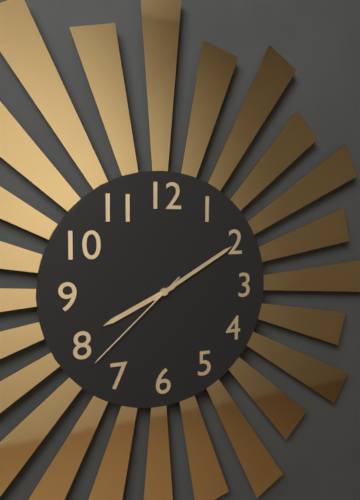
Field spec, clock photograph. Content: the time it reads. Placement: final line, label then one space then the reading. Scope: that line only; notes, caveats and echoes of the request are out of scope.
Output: 8:10:38
